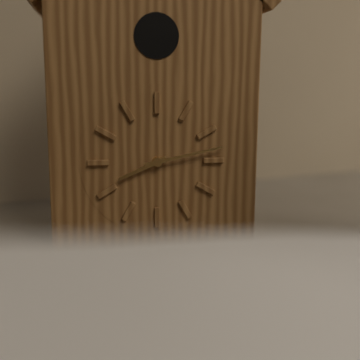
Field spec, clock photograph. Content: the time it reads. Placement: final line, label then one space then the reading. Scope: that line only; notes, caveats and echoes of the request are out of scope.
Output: 8:13
